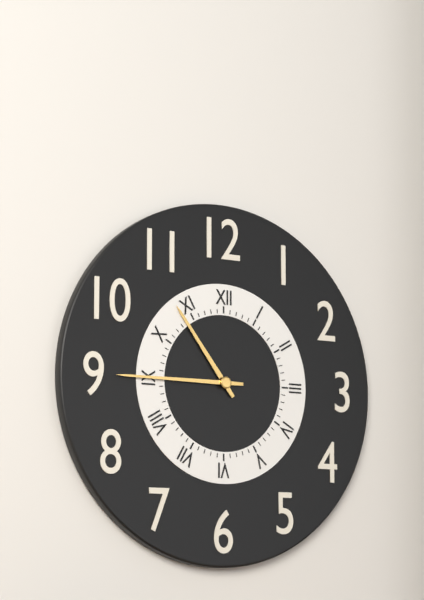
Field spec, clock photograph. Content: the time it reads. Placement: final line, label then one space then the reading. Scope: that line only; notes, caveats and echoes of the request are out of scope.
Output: 10:45
